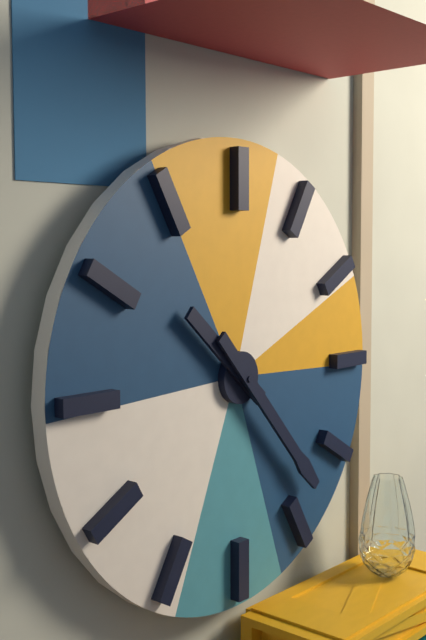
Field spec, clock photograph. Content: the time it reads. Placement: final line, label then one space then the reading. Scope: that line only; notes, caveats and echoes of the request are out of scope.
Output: 10:23
